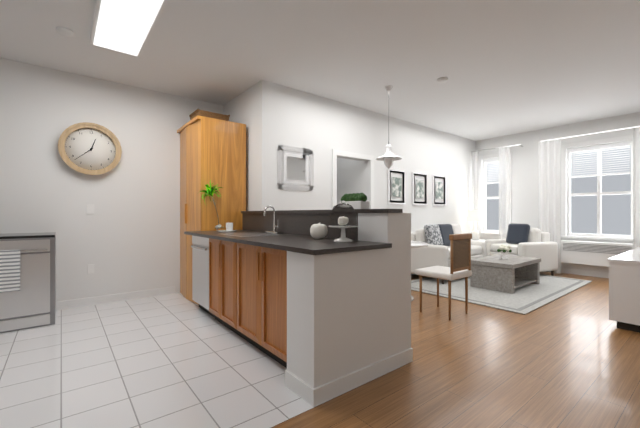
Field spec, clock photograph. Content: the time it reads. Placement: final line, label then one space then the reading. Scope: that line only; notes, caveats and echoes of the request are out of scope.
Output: 12:38
